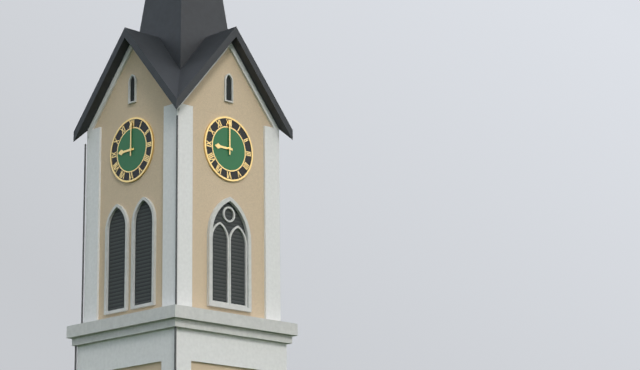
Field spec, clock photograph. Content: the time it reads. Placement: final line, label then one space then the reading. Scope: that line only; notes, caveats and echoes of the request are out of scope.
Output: 9:00
